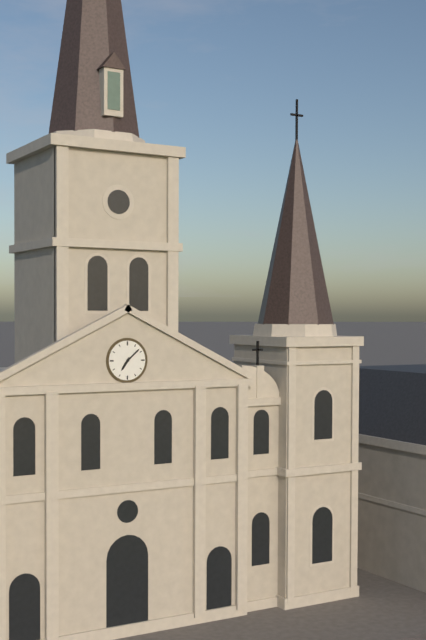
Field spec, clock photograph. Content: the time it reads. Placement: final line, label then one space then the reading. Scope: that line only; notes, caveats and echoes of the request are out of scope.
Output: 7:08
